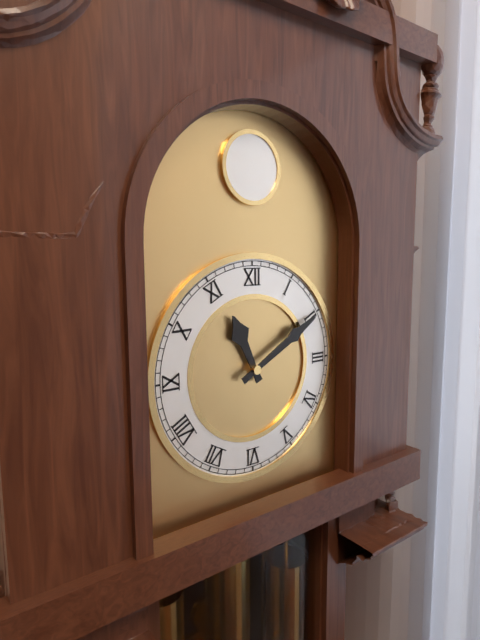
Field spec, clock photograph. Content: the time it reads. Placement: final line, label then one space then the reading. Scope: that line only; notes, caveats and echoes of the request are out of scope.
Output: 11:10
